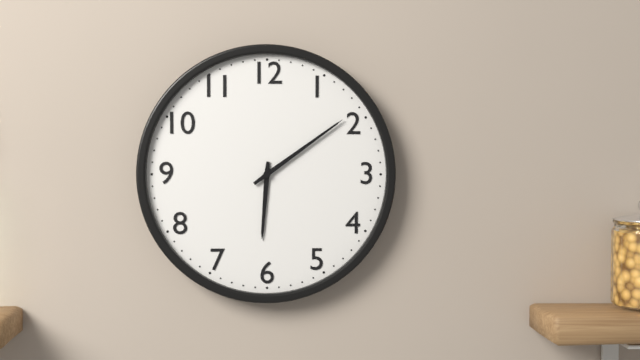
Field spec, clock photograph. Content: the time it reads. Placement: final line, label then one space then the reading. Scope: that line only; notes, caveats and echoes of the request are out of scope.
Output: 6:09
